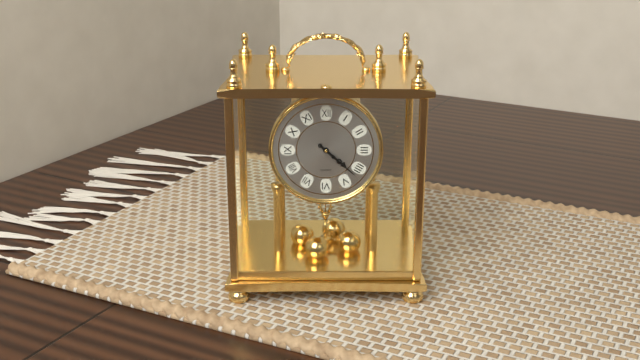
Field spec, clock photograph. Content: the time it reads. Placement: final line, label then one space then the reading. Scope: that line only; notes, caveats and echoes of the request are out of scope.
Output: 4:22
